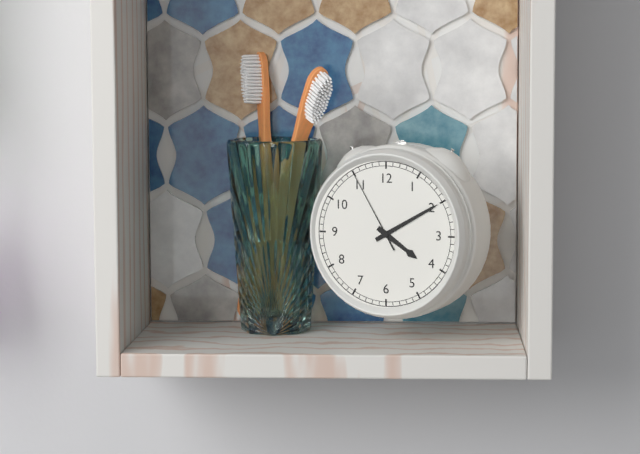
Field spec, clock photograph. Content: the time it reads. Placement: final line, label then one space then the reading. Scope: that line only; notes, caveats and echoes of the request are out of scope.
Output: 4:10:55
